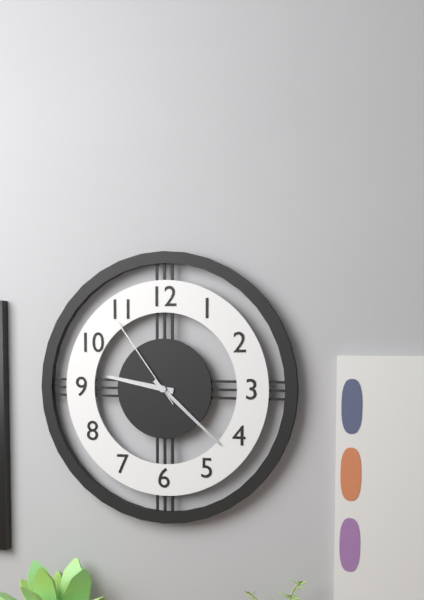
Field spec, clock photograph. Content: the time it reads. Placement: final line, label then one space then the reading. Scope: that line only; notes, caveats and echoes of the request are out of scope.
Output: 9:22:54
